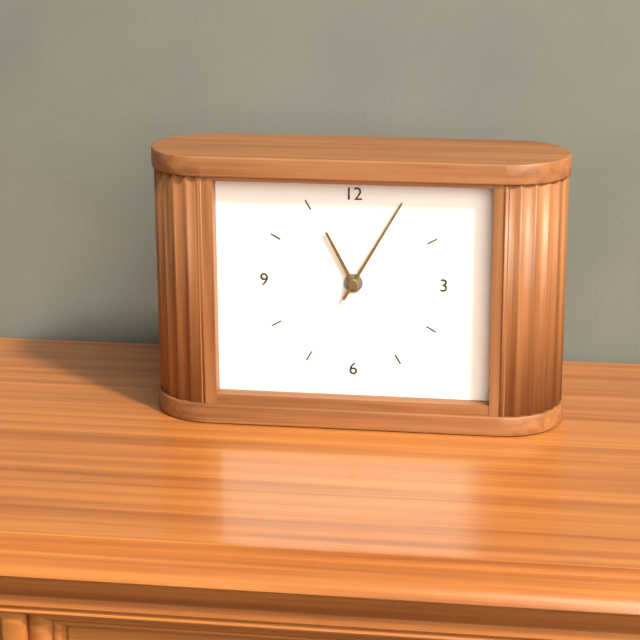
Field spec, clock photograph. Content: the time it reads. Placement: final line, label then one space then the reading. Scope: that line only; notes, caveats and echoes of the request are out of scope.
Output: 11:05
